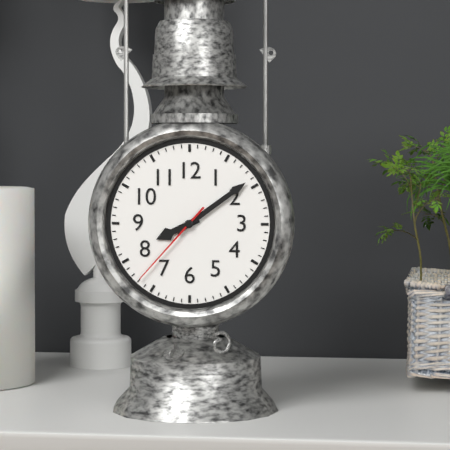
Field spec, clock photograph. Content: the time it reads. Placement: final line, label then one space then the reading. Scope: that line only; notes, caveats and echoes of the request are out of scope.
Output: 8:09:37
